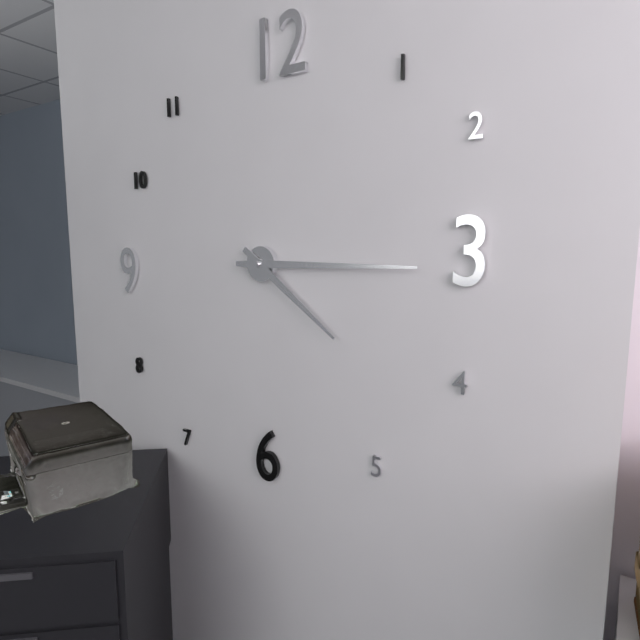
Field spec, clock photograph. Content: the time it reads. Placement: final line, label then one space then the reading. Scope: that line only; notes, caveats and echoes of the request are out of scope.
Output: 4:15
